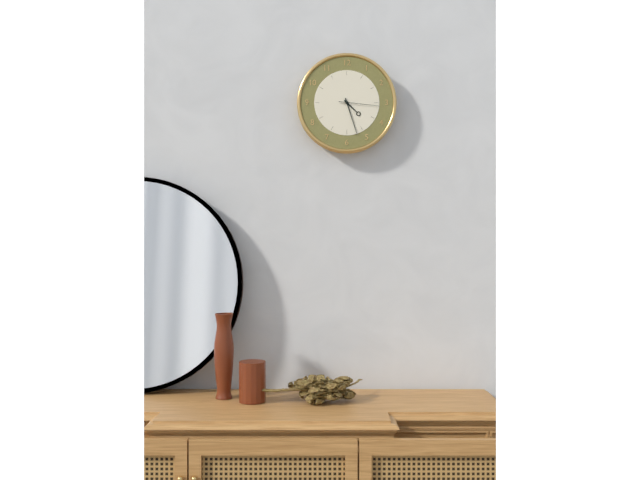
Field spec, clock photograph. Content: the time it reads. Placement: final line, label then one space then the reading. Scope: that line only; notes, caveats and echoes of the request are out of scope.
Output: 4:27
